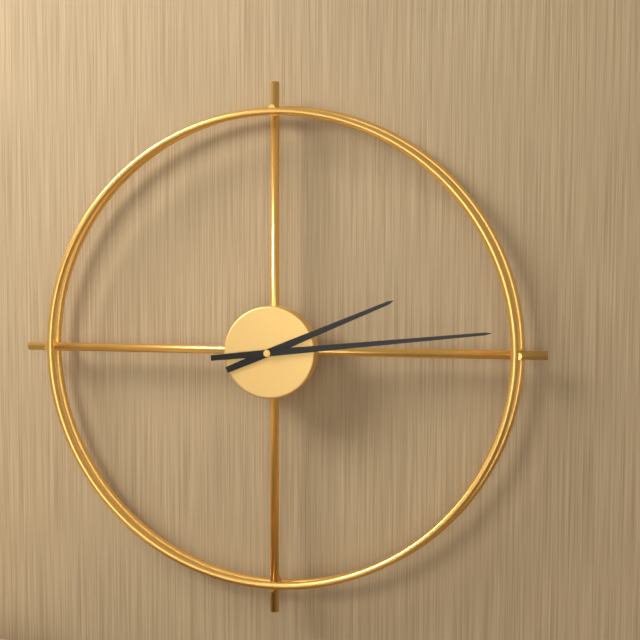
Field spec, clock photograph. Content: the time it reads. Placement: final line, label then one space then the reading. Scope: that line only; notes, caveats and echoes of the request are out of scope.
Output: 2:14
